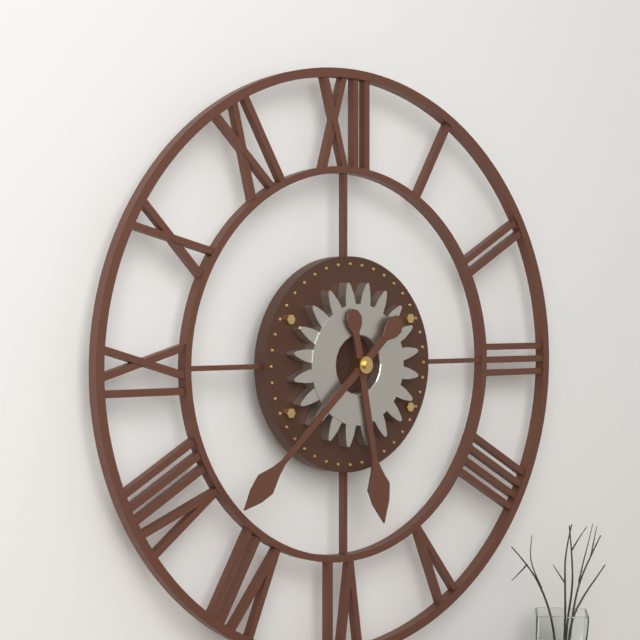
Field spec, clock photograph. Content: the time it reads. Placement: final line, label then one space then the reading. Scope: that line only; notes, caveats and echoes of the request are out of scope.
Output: 5:38
